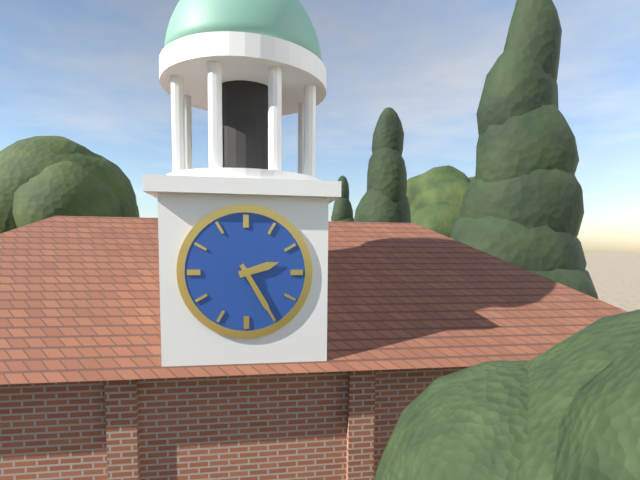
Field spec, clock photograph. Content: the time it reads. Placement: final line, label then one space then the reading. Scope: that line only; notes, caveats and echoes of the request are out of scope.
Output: 2:25
